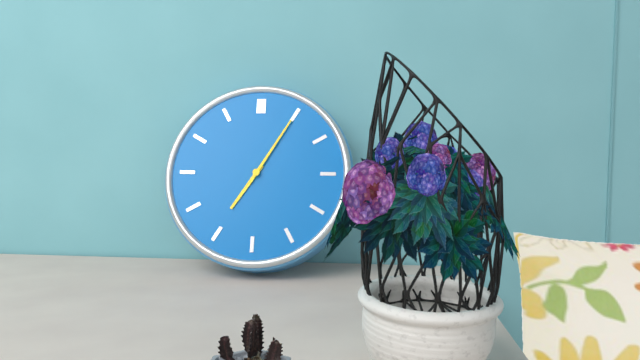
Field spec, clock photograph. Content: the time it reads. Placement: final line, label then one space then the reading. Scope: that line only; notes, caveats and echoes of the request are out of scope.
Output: 7:05
